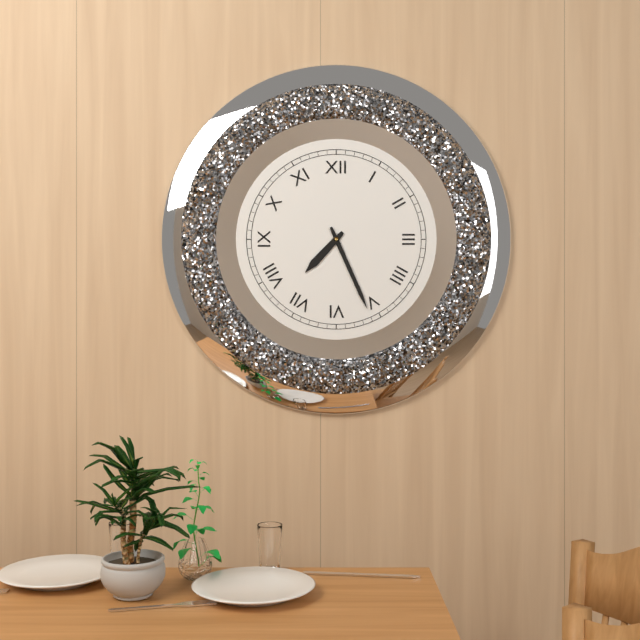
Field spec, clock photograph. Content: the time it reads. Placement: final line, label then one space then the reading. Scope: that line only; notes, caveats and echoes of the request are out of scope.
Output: 7:26
